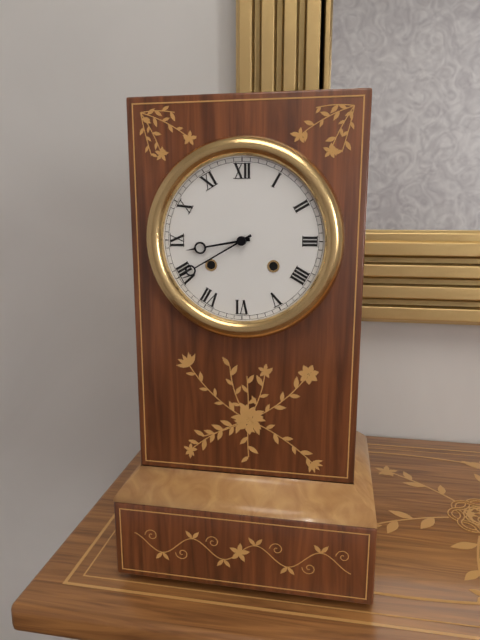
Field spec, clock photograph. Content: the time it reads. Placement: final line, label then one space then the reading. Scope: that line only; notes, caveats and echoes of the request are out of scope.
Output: 8:40
